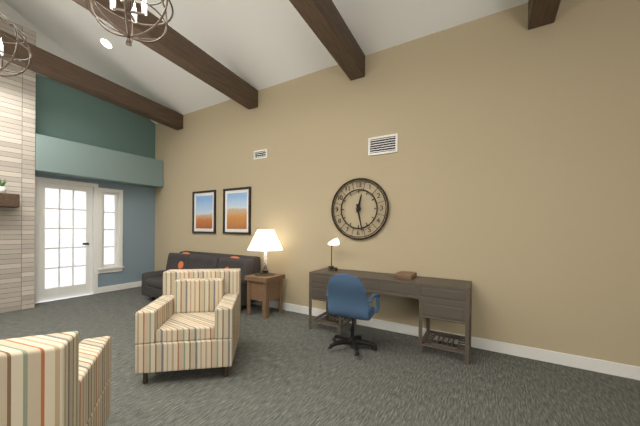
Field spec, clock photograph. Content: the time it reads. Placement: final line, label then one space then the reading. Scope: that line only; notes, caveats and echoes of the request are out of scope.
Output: 12:28
